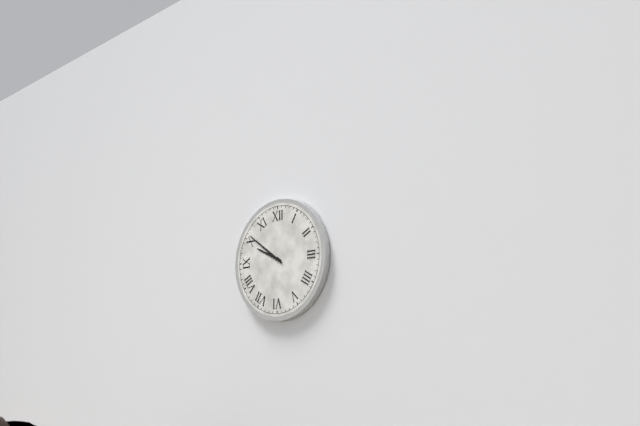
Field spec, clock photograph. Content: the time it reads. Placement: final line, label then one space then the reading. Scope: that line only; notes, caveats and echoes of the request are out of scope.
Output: 9:51
